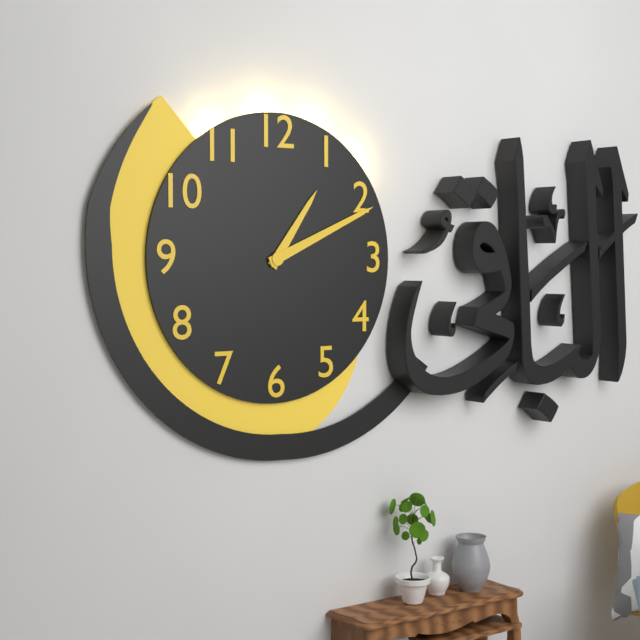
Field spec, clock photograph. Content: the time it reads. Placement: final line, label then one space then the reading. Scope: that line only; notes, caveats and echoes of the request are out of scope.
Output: 1:11
